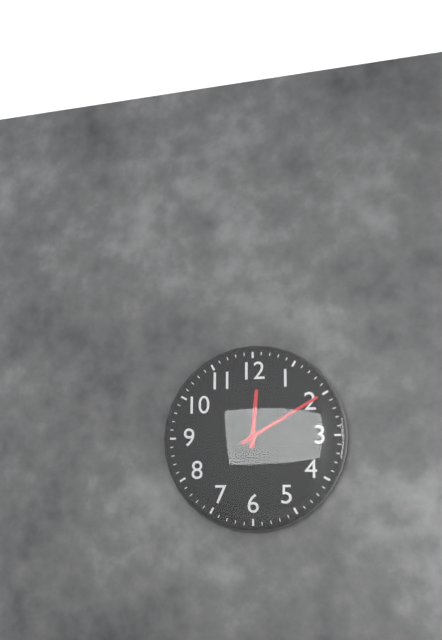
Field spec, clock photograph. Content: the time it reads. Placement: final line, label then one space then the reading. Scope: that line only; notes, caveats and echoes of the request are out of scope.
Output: 12:10
